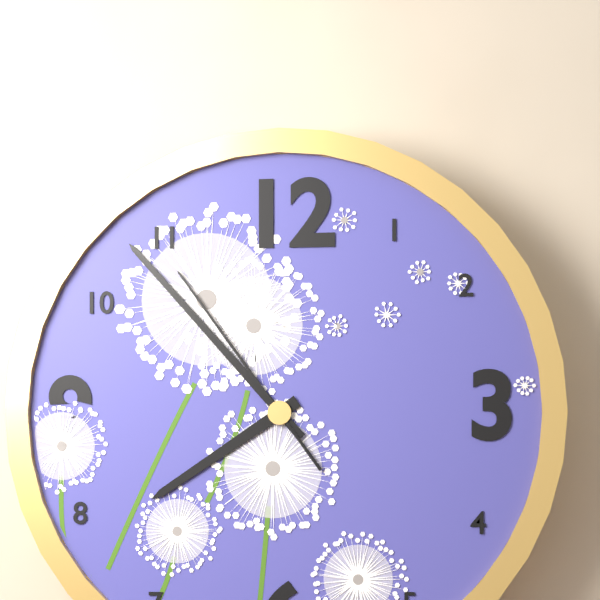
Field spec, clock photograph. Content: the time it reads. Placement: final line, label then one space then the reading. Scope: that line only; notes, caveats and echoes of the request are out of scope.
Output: 7:53:54
